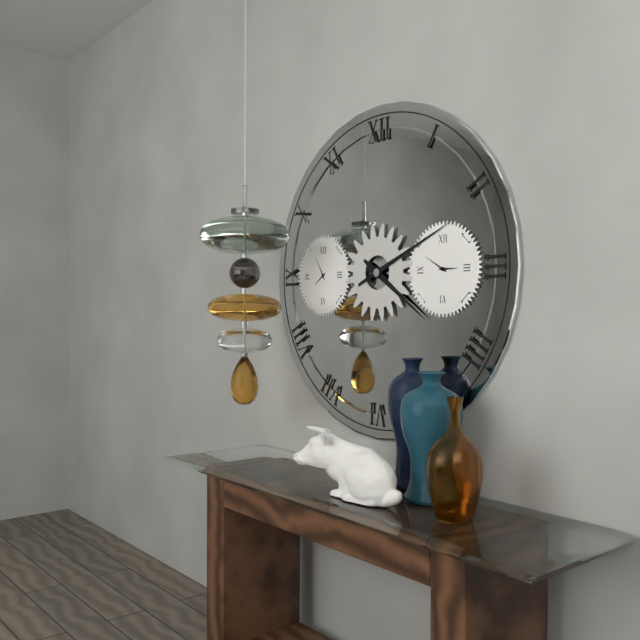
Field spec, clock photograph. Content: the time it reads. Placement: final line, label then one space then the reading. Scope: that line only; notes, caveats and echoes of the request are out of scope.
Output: 4:11
